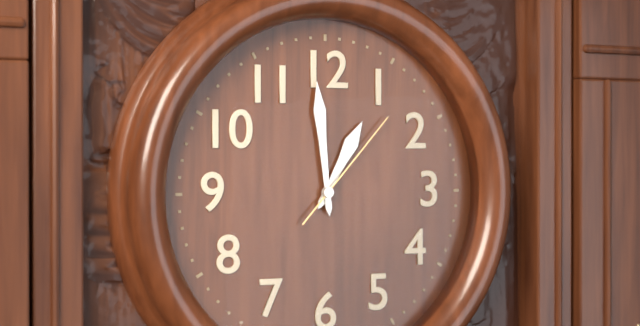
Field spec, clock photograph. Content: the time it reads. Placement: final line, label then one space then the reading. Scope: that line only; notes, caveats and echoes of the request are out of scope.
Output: 12:59:07
